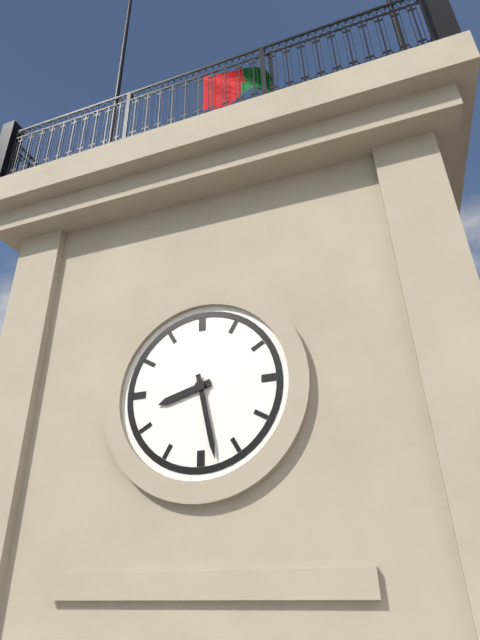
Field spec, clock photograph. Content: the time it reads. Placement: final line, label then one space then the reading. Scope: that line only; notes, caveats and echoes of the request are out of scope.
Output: 8:28
